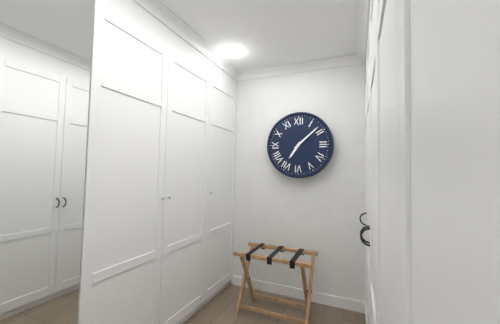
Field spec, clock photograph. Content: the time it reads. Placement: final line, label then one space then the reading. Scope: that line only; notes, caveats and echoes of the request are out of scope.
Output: 7:08
